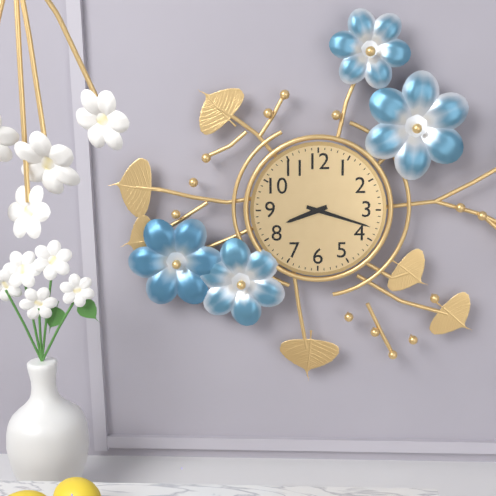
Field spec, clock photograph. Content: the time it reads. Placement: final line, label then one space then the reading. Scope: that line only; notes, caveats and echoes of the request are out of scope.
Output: 8:18
